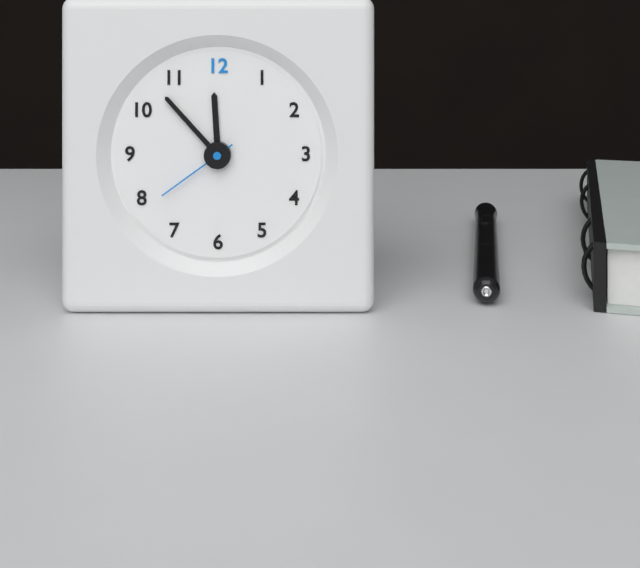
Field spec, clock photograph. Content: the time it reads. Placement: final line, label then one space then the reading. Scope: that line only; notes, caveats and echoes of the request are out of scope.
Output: 11:53:39
